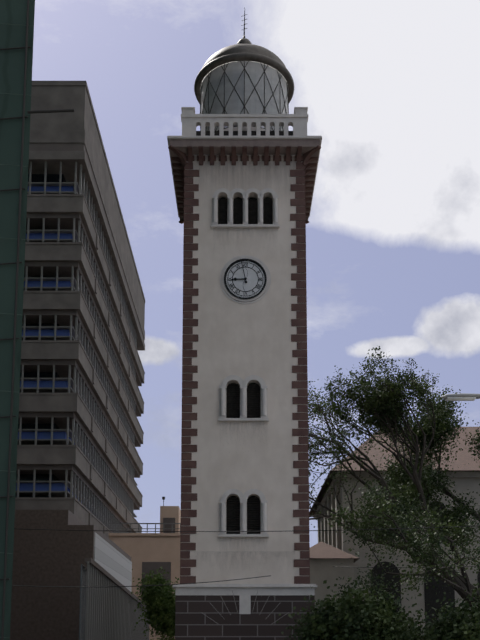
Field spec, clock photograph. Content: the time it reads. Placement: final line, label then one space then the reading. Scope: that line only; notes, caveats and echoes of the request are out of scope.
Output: 8:58
